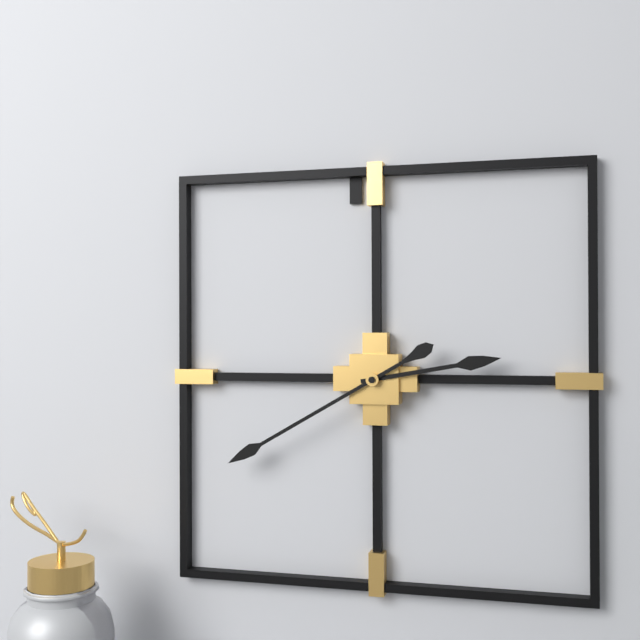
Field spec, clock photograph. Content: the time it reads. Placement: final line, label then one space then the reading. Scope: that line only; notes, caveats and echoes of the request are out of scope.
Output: 2:40
